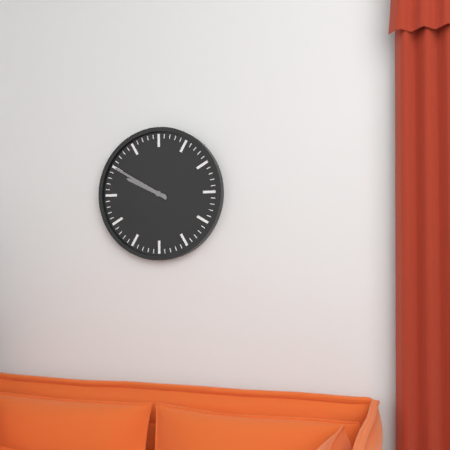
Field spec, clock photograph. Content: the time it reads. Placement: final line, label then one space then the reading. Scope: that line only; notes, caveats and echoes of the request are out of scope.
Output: 9:50
